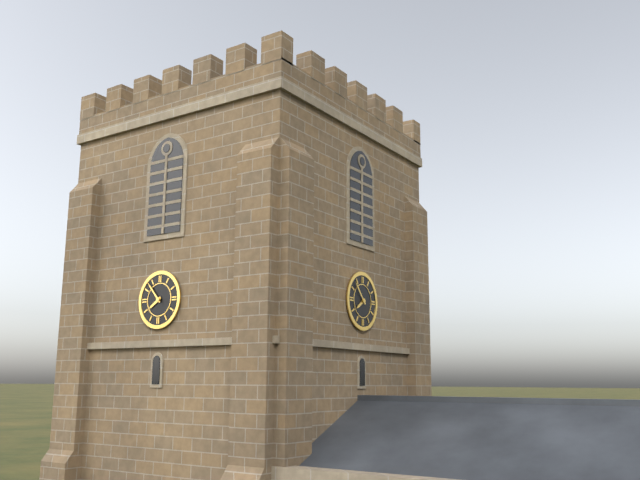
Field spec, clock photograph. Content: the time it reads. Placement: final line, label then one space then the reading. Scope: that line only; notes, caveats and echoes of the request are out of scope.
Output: 7:53
